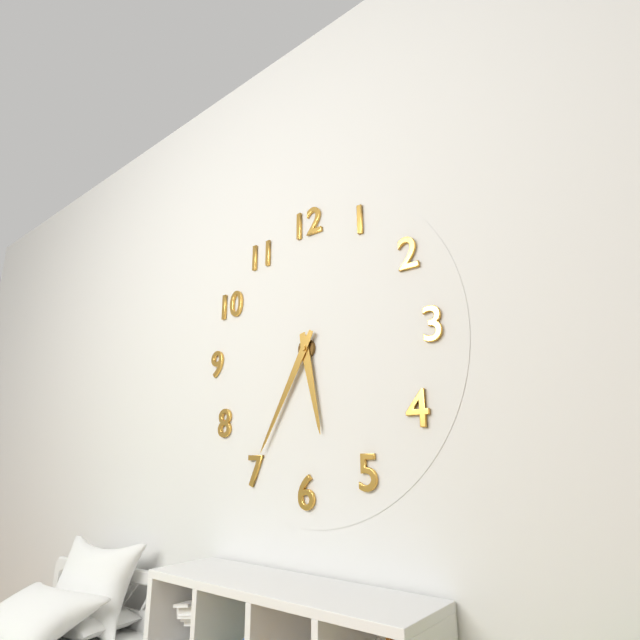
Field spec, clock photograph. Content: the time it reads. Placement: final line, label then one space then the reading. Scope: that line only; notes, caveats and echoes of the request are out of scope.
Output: 5:35
